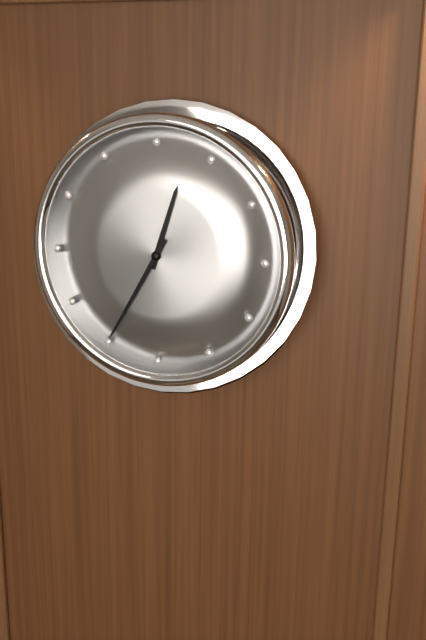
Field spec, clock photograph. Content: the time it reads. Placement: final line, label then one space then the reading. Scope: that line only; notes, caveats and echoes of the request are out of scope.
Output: 12:35
